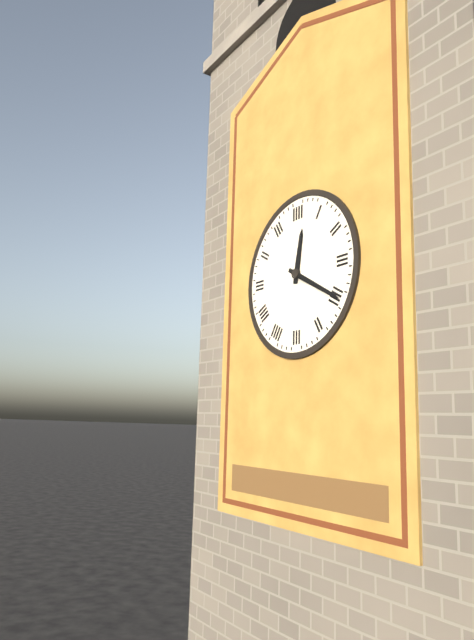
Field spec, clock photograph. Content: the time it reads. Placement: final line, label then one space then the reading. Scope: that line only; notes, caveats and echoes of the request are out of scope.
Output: 12:20
